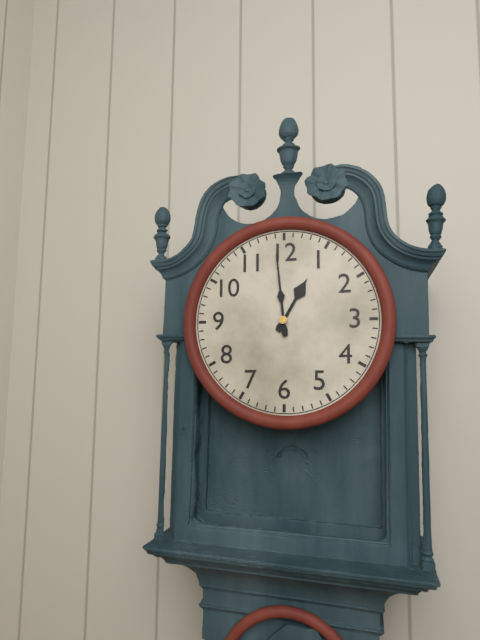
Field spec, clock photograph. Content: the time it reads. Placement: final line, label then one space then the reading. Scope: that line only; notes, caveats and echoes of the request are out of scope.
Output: 12:59
